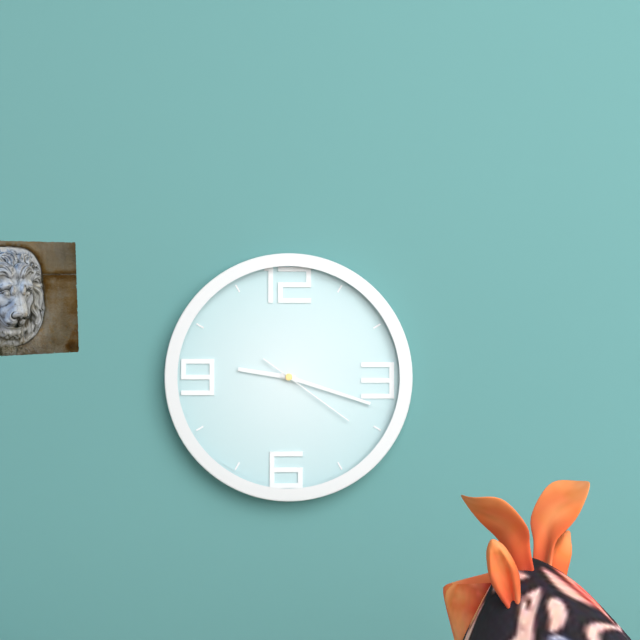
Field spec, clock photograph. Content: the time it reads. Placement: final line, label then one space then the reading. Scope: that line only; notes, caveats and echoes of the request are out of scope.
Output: 9:18:21
